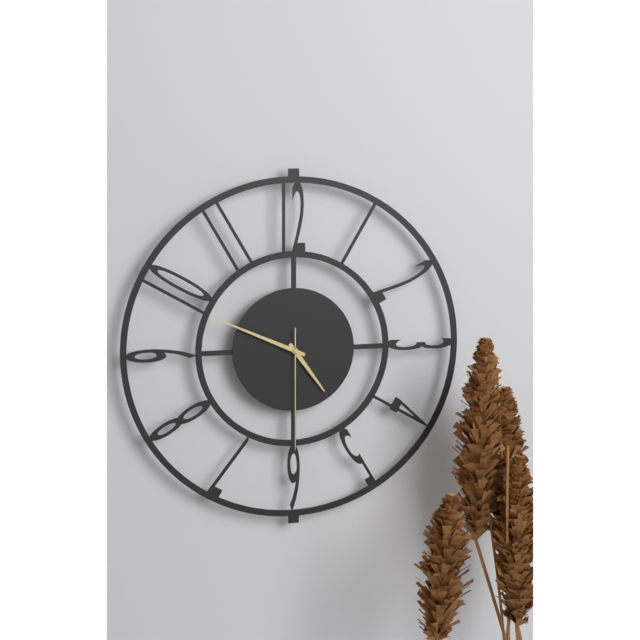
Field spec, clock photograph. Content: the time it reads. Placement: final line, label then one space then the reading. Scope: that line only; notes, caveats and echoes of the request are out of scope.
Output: 4:49:30
